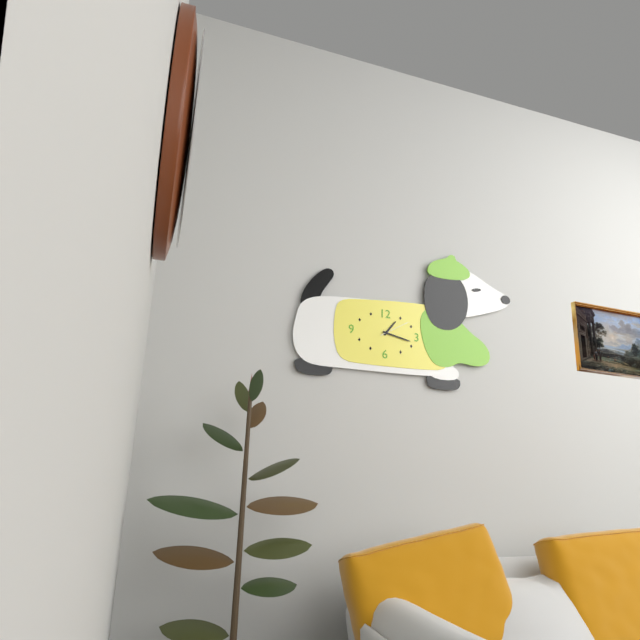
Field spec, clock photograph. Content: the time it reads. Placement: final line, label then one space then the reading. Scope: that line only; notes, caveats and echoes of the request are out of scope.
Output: 1:17
